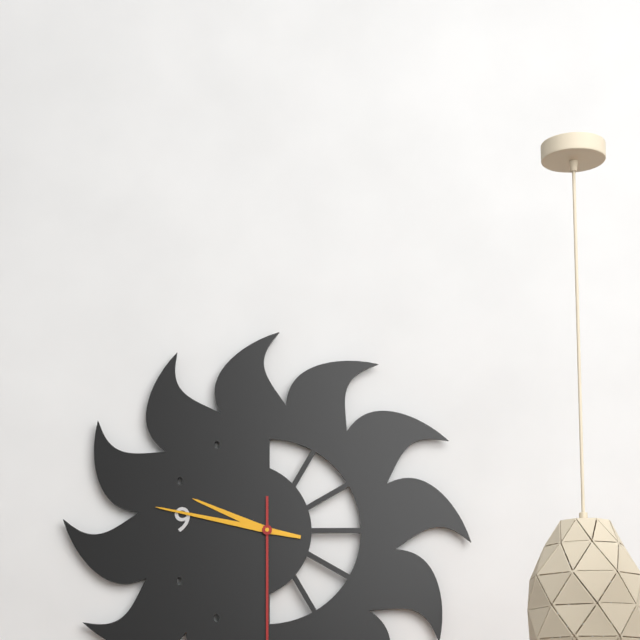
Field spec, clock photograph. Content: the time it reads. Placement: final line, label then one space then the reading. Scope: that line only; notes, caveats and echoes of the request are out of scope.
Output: 9:47
